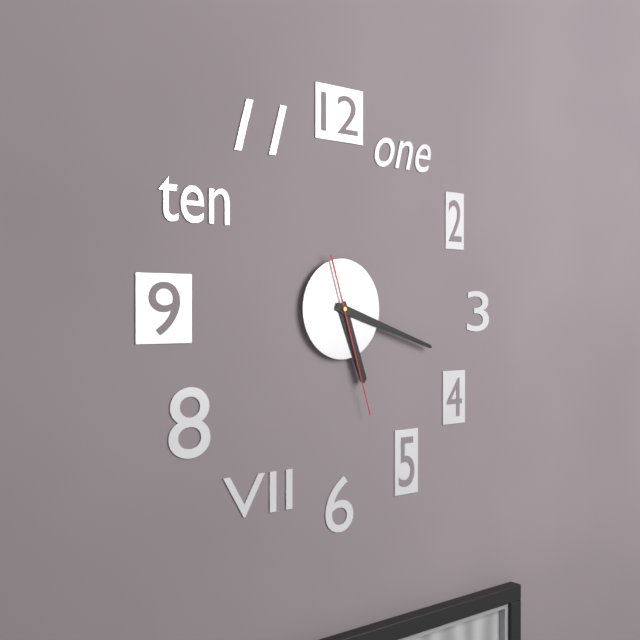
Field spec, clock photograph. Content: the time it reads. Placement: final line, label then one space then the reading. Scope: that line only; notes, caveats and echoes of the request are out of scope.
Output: 5:18:27
